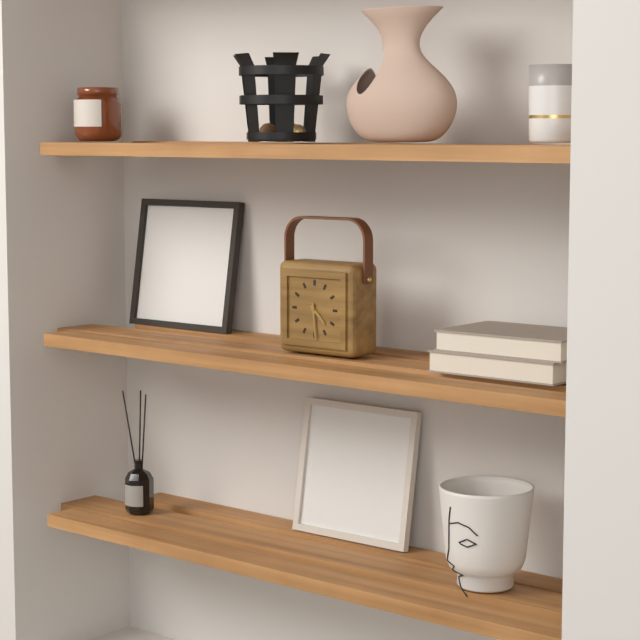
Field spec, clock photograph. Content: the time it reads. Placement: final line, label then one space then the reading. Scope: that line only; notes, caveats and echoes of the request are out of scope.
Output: 4:29
